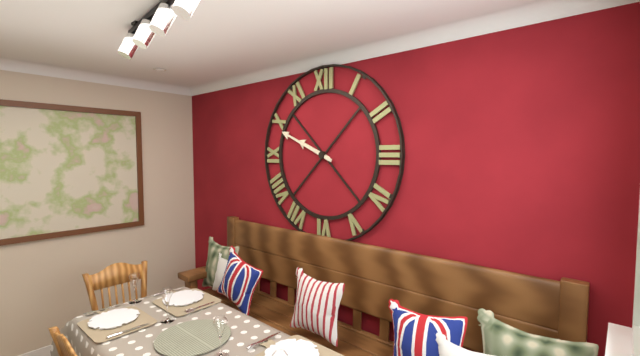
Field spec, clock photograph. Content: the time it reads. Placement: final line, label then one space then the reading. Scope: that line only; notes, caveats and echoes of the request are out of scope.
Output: 9:49
